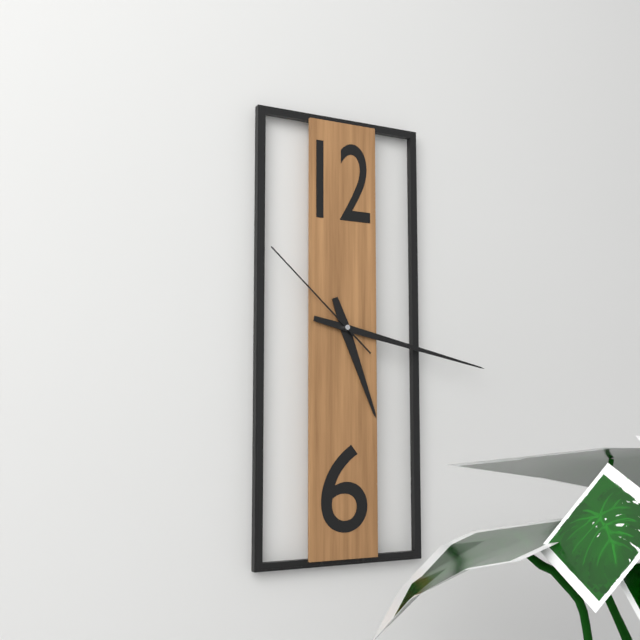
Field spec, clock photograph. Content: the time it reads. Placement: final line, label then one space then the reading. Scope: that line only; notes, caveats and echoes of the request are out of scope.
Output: 5:17:52
